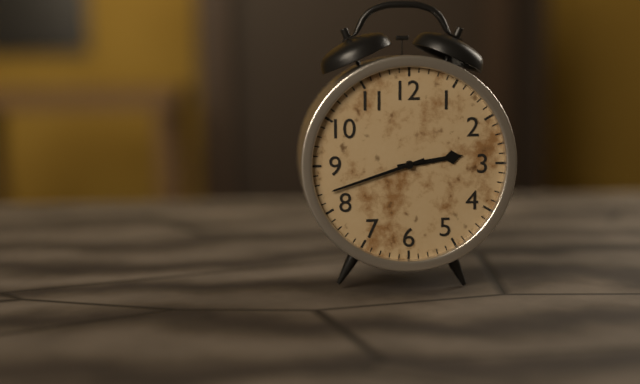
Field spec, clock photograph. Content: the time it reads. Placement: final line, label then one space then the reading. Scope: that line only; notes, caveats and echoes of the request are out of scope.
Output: 2:42
